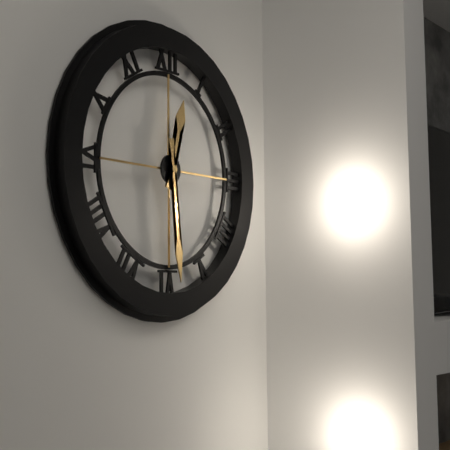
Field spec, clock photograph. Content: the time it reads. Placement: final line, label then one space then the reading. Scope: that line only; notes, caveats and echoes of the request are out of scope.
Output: 12:29
